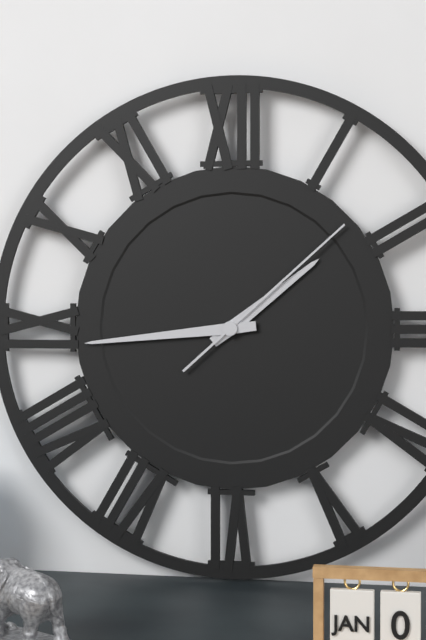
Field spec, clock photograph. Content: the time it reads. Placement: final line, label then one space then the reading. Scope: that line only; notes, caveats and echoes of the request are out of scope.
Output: 1:44:08
